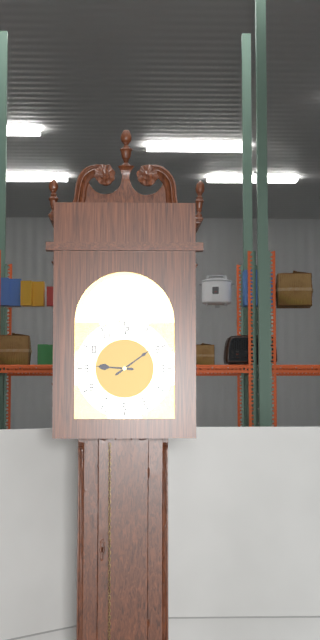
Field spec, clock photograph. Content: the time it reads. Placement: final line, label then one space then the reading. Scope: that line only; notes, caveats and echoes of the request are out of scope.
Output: 9:09
